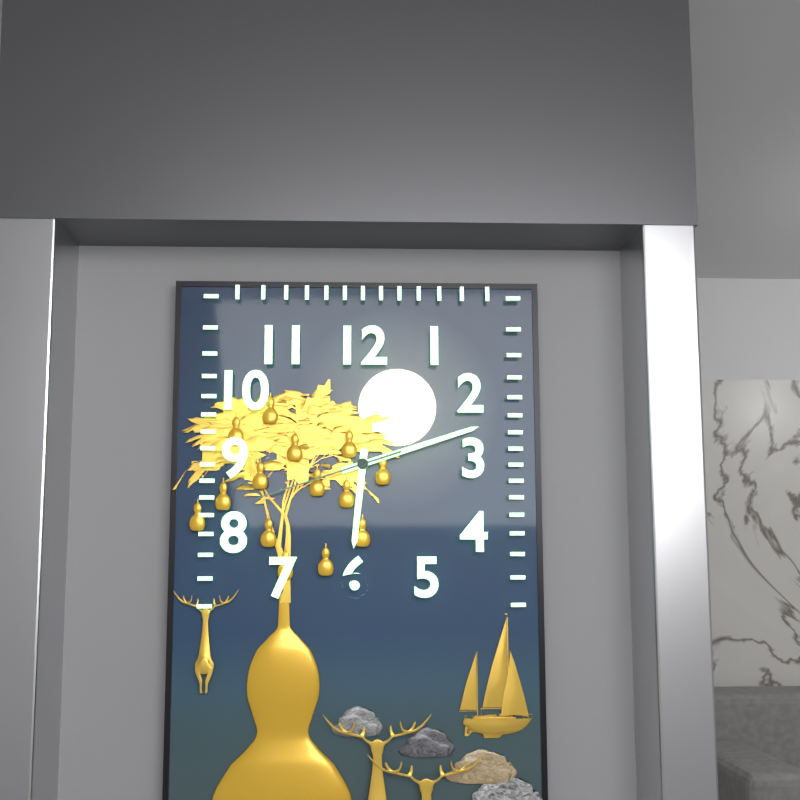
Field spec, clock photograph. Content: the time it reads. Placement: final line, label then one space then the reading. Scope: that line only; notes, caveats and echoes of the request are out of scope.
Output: 6:12:42
